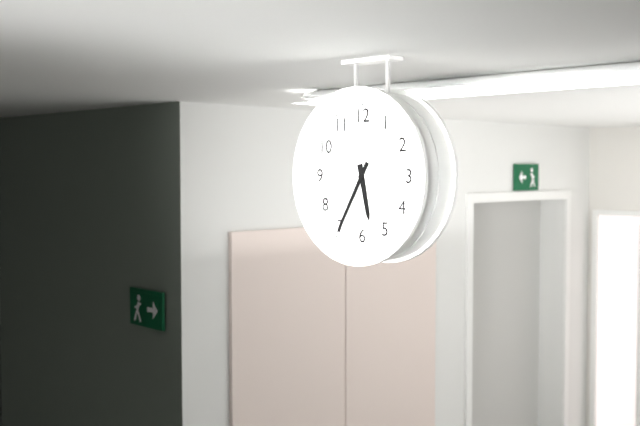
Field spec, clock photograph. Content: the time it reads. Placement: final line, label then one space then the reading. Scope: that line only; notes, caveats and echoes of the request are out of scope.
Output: 5:35
